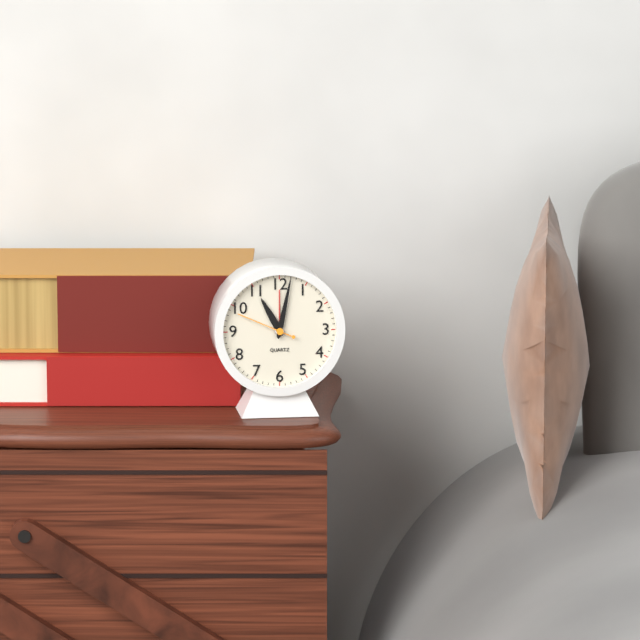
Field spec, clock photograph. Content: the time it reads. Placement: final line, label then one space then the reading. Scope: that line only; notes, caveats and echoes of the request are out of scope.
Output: 11:02:49
